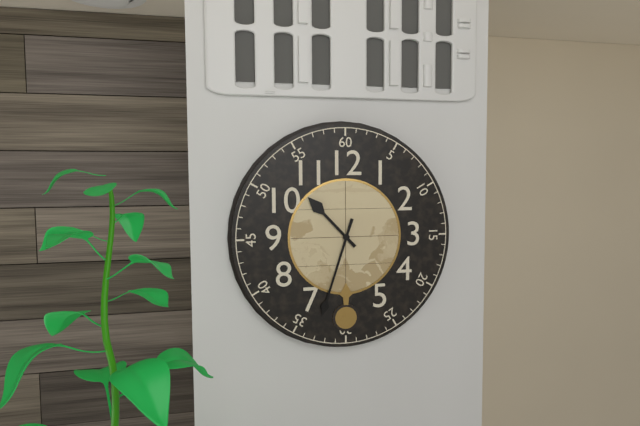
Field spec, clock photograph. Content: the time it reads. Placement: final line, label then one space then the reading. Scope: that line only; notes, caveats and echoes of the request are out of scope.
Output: 10:33
